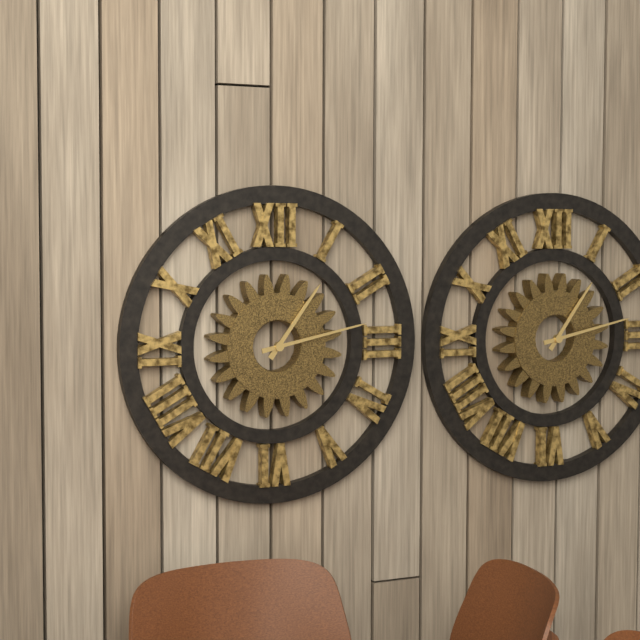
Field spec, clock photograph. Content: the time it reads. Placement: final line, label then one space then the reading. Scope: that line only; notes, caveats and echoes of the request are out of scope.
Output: 1:13
